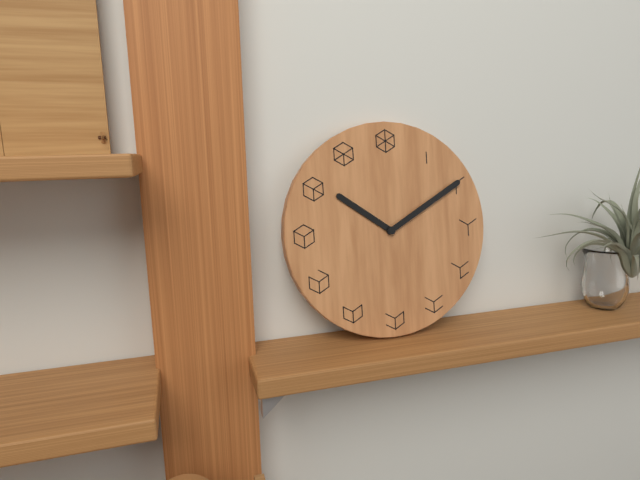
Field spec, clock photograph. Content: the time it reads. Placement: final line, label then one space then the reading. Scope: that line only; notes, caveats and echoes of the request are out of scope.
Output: 10:10
